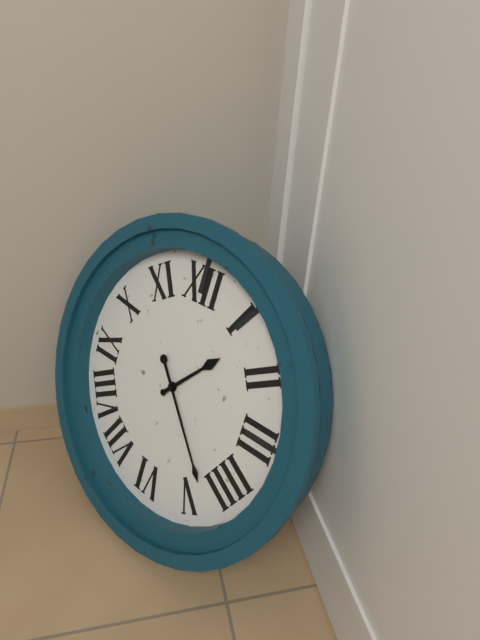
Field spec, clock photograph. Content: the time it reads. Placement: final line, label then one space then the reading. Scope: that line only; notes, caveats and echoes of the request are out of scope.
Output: 1:23
